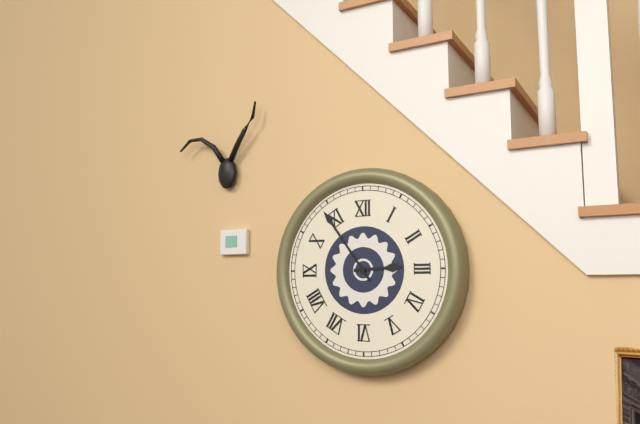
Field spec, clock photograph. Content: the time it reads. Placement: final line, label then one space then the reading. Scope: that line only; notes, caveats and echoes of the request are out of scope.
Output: 2:54
